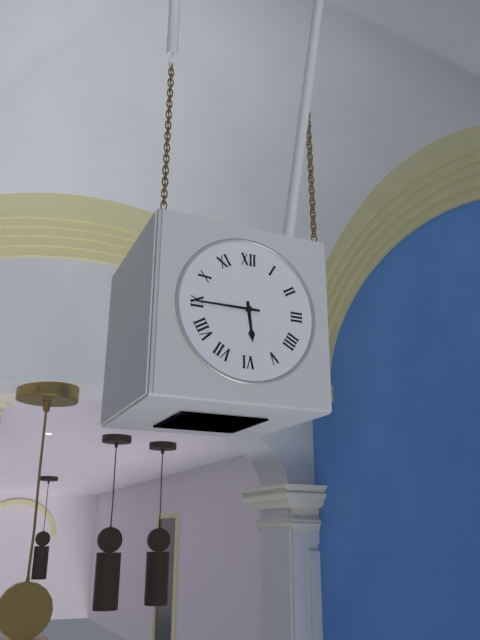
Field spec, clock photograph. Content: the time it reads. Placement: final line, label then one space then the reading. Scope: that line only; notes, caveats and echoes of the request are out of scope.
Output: 5:45
